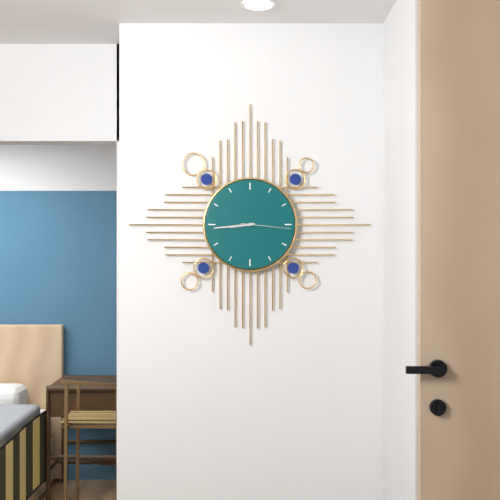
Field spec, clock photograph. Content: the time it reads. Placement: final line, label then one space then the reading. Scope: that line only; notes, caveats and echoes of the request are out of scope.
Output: 8:44:16
